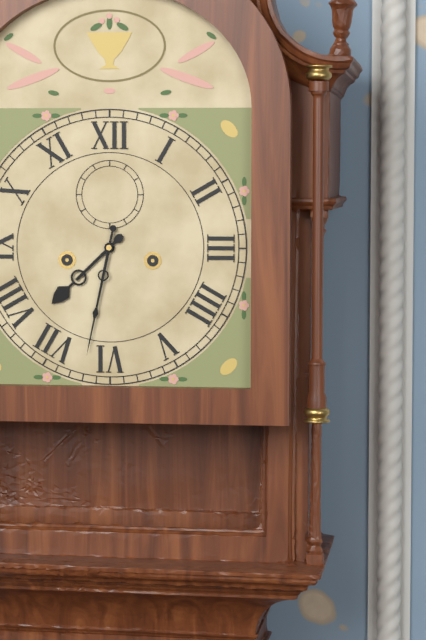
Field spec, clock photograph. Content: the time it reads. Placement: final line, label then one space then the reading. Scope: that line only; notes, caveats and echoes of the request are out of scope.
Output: 7:32
